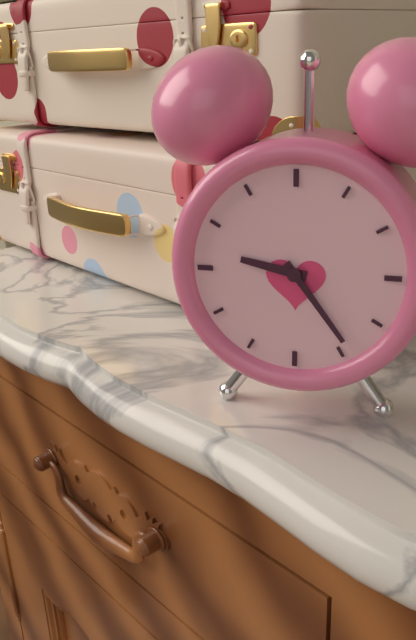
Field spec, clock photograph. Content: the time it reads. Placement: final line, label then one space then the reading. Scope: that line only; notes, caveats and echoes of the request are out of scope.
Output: 9:24
